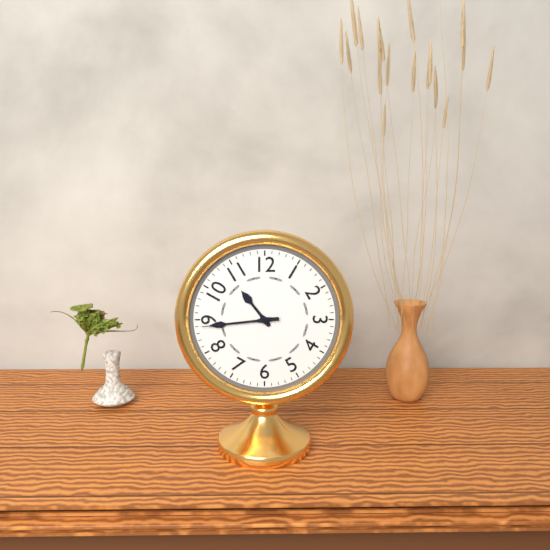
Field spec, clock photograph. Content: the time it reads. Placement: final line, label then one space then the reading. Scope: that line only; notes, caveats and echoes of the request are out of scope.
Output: 10:44:44
